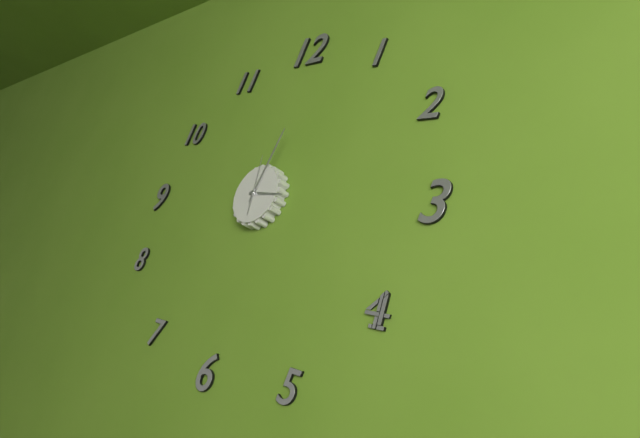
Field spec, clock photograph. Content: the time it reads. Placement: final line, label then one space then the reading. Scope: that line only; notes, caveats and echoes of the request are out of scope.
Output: 3:02:59
